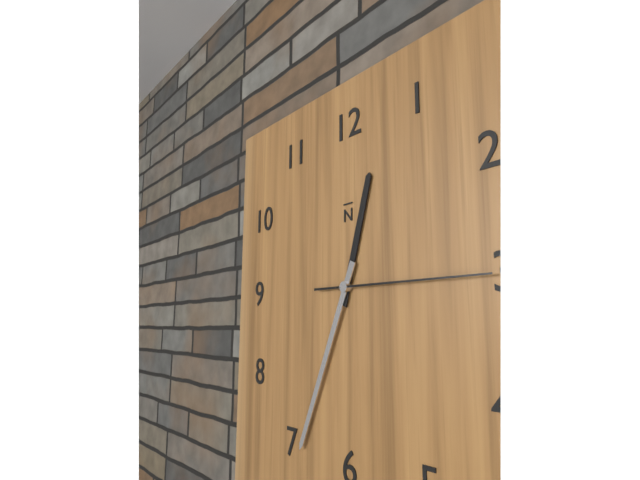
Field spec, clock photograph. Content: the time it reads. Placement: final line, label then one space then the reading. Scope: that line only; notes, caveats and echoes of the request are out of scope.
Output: 12:34:15
